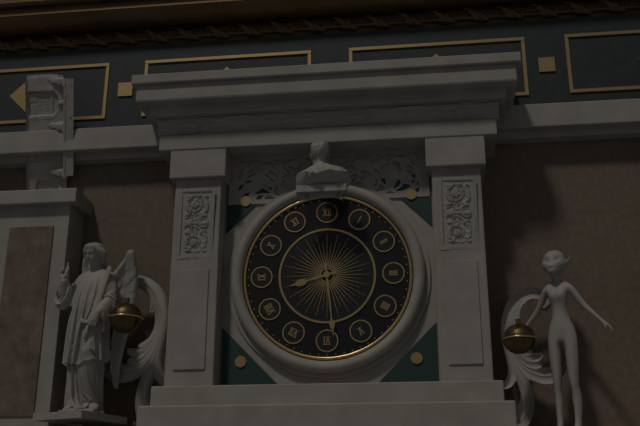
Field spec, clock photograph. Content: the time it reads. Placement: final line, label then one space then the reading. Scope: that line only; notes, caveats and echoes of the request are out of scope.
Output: 8:29
